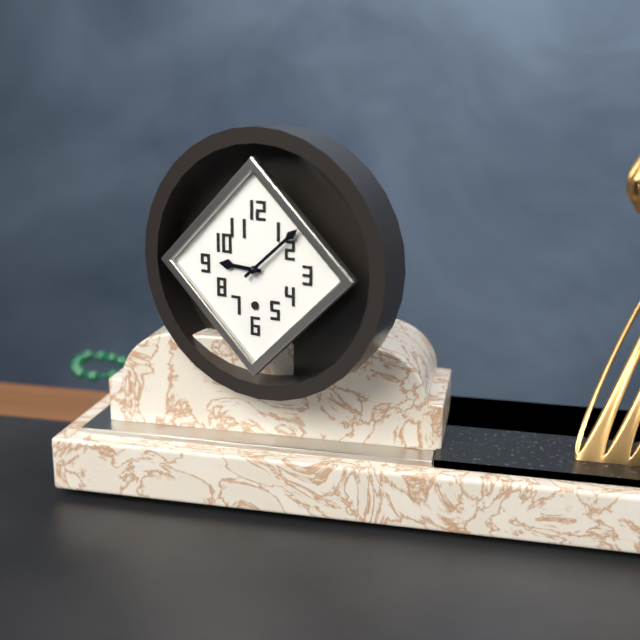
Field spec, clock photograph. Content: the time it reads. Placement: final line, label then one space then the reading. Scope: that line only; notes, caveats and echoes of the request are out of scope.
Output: 9:08
